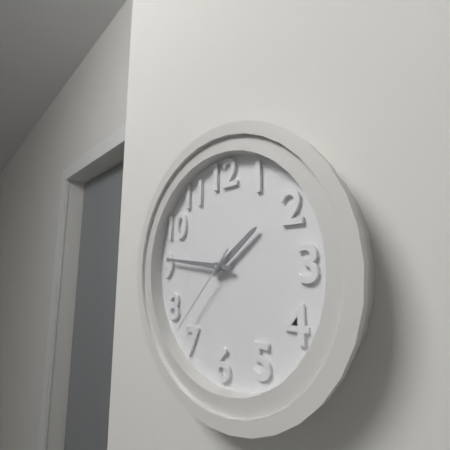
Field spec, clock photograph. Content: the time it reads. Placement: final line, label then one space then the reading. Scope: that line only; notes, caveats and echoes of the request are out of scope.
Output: 1:46:37
